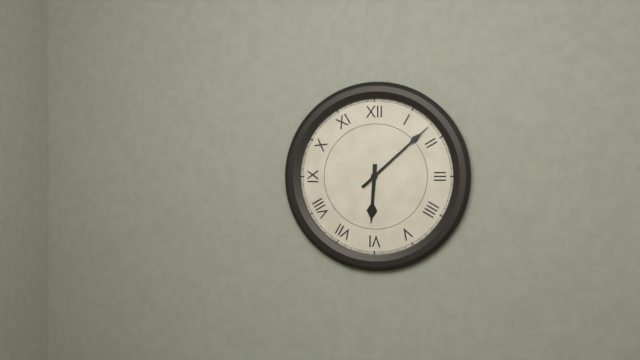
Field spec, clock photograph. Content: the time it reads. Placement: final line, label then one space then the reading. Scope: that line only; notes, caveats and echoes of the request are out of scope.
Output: 6:08
